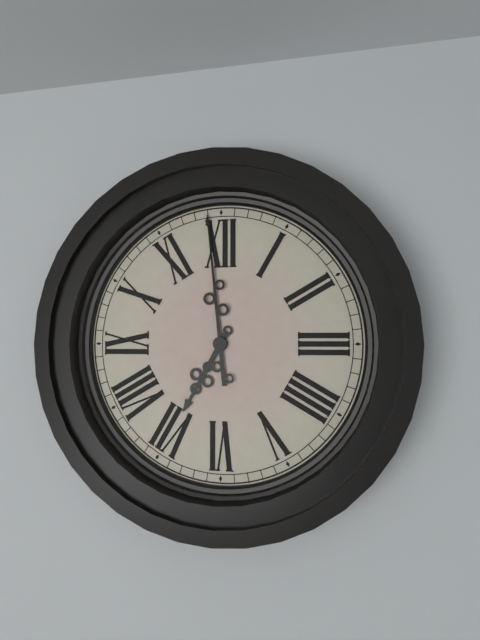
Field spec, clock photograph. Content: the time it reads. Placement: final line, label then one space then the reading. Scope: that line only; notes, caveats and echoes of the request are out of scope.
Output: 6:59
